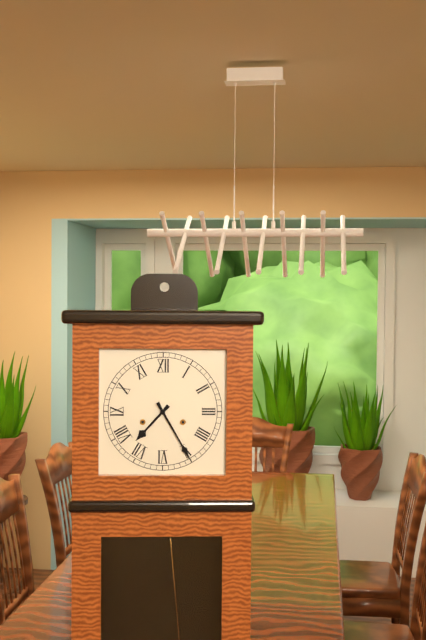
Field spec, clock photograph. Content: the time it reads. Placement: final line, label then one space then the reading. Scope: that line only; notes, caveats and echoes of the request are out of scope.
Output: 7:25
